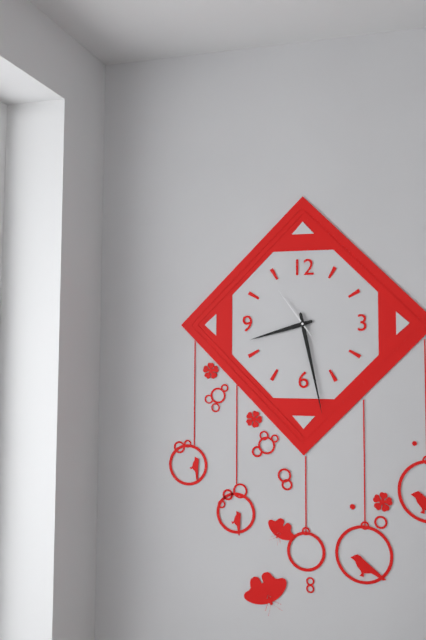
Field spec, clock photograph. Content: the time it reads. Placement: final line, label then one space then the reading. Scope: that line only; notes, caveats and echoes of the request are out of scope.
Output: 8:28:54
